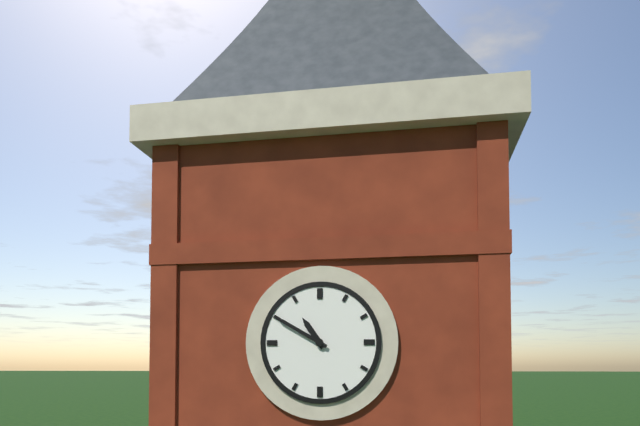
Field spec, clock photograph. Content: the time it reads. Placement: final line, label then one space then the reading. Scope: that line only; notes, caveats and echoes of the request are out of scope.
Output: 10:50
